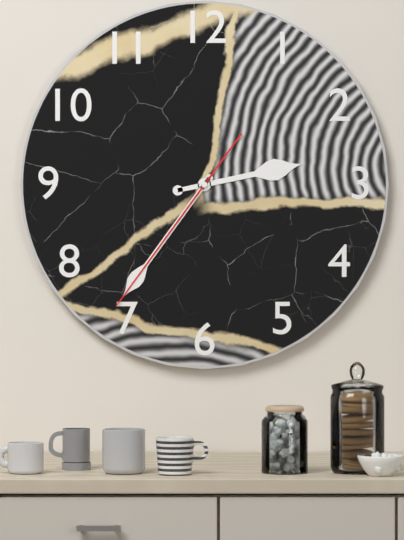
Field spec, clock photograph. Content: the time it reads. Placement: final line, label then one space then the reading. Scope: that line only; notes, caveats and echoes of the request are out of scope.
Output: 2:36:36
